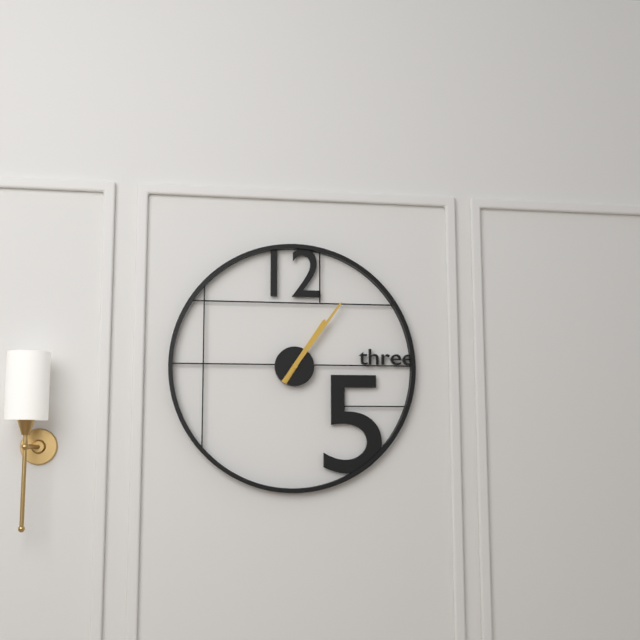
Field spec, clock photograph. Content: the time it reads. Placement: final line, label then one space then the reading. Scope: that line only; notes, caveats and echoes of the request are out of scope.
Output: 1:06
